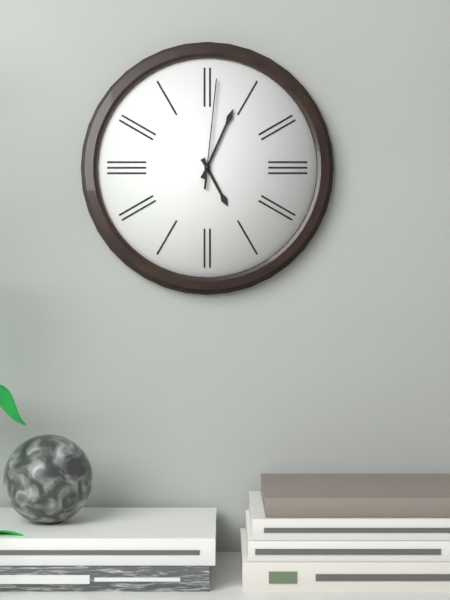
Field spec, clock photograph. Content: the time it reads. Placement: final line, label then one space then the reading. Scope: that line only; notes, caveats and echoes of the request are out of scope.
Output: 5:04:01
